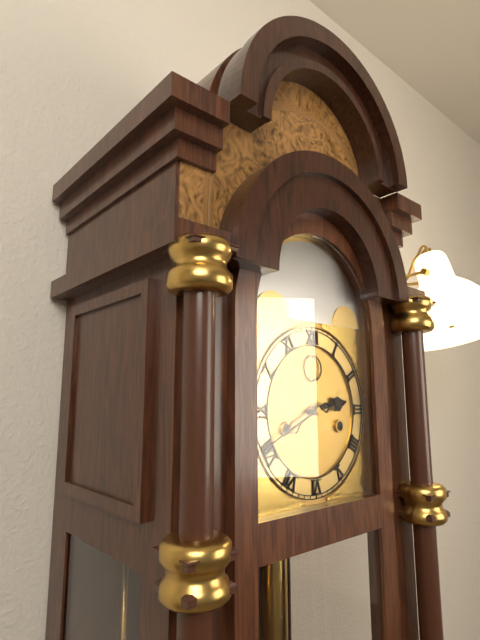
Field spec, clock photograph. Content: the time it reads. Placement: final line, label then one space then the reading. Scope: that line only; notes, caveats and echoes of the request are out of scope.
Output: 2:41
